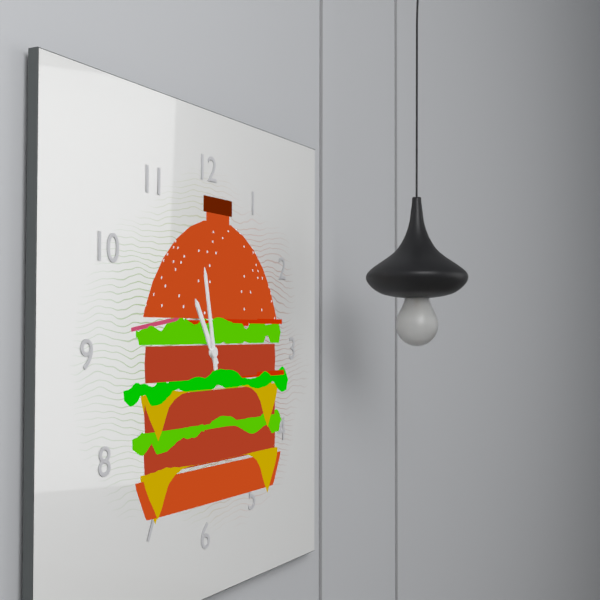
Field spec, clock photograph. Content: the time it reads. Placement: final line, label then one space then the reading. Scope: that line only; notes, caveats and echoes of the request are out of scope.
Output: 10:58
